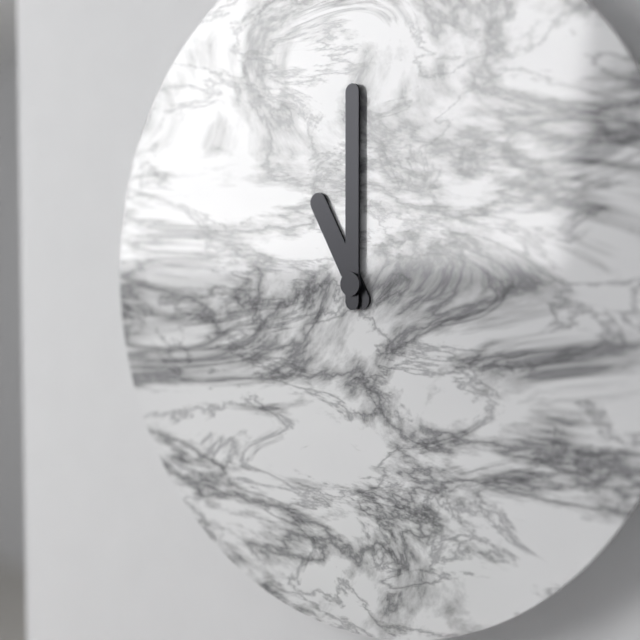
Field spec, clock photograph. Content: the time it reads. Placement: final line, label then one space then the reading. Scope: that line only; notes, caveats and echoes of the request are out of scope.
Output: 11:00
